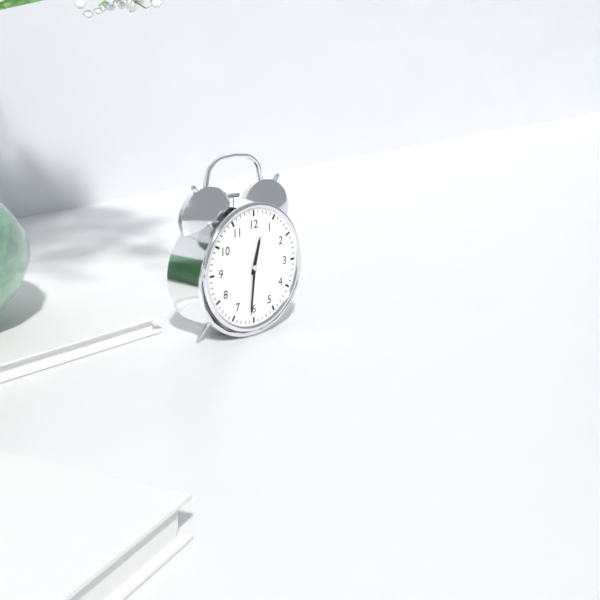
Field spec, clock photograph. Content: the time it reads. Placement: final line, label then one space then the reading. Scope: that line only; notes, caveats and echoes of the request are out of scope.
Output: 12:31
